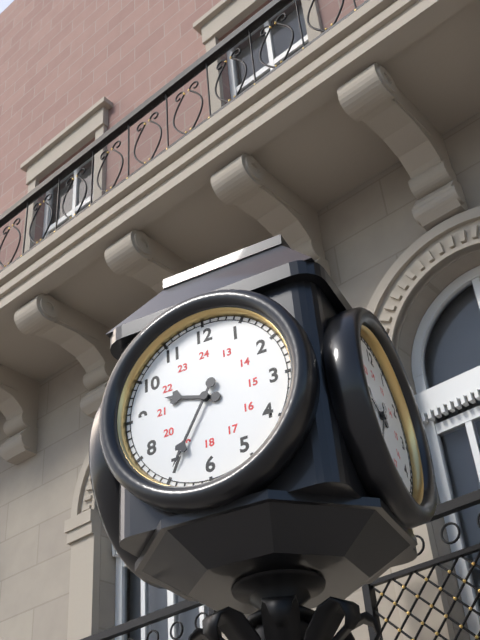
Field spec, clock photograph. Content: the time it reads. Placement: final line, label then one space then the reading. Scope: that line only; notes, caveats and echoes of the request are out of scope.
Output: 9:35
